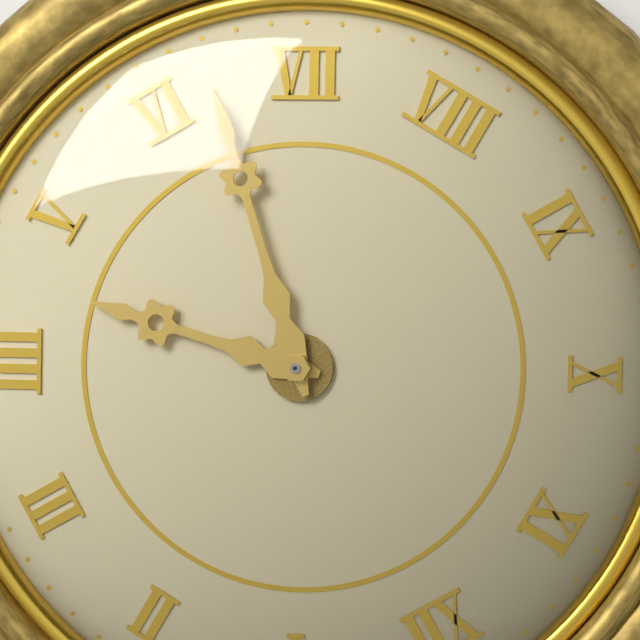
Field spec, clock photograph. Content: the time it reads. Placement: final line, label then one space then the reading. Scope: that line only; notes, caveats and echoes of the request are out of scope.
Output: 4:32
